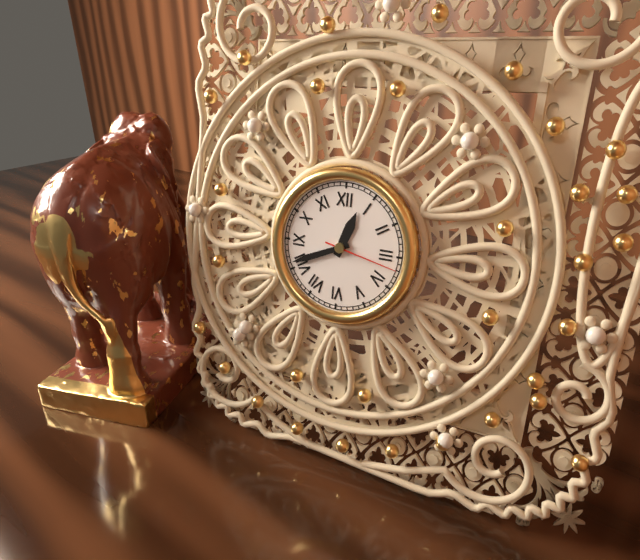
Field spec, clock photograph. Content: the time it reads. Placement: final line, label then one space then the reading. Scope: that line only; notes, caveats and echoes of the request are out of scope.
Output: 12:41:17
